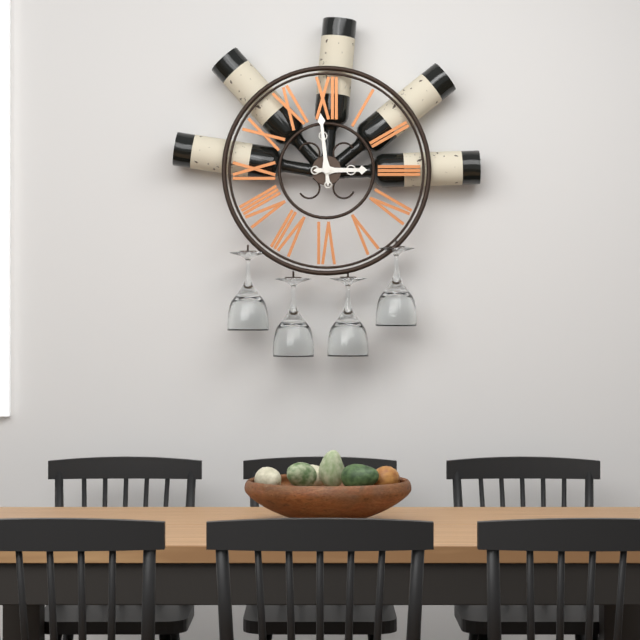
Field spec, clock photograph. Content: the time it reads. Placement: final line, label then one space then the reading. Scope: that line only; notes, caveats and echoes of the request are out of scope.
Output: 2:59
